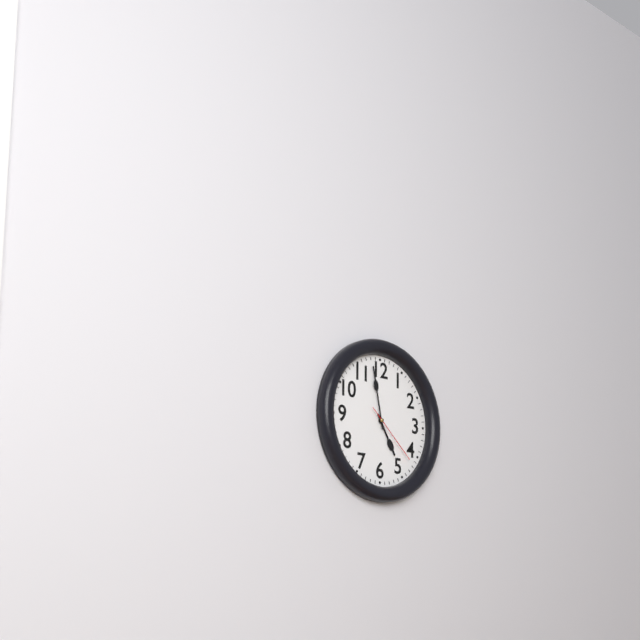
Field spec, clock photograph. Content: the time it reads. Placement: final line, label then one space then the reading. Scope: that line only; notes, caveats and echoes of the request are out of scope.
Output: 4:58:22
